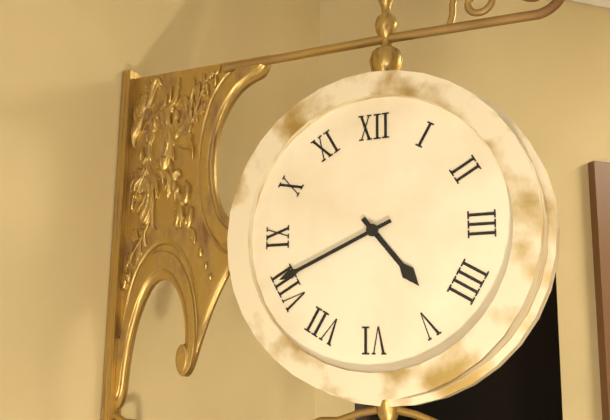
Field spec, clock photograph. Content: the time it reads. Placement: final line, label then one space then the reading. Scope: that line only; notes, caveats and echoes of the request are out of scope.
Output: 4:41
